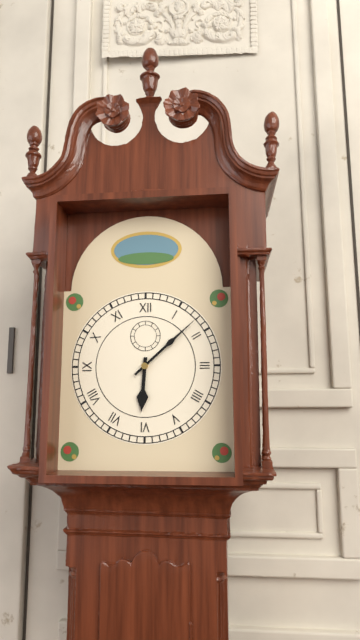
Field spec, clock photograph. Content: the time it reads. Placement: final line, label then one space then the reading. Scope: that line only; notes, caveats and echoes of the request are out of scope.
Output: 6:08
